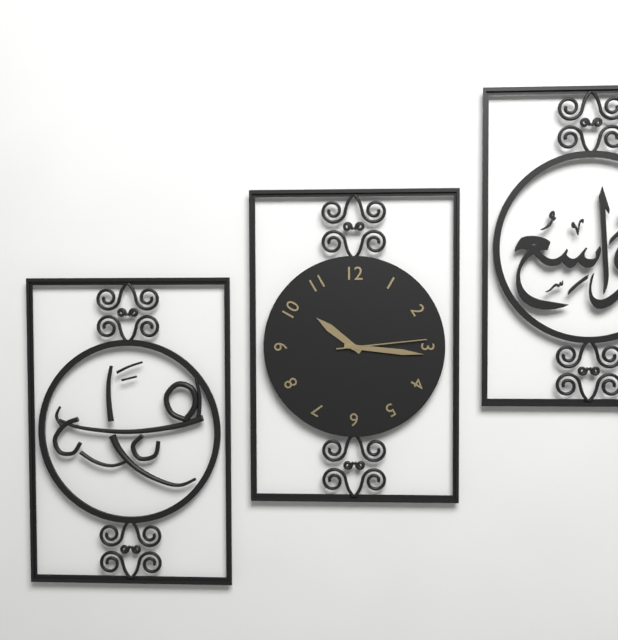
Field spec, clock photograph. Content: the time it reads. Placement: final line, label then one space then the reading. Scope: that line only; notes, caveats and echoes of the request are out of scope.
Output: 10:16:14
